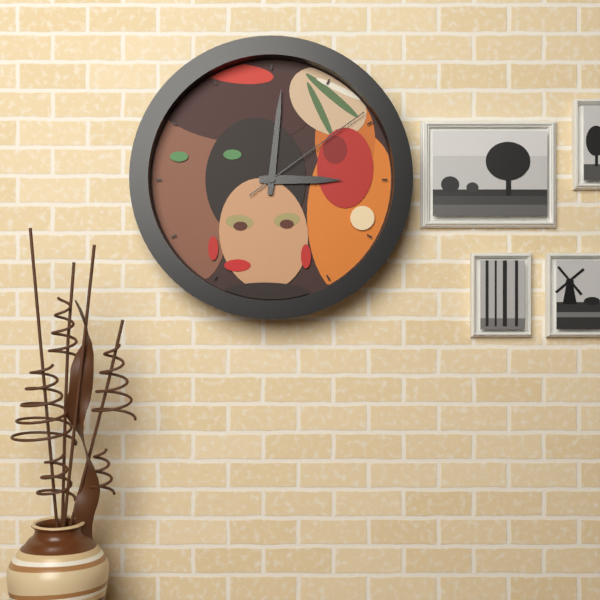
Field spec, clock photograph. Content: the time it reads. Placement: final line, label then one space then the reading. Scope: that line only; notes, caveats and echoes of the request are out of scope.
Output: 3:01:09
